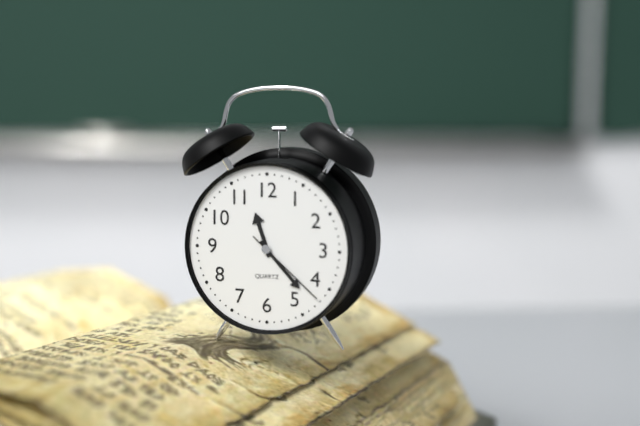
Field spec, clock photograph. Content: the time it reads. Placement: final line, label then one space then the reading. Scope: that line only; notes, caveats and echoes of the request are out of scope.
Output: 11:23:22
